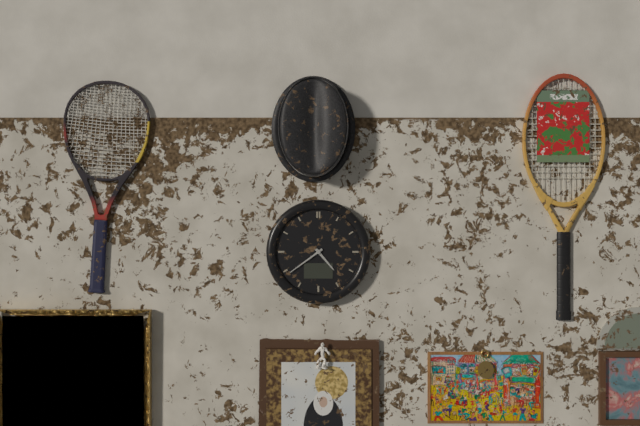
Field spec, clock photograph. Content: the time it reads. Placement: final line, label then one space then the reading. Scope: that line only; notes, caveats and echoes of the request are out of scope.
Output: 4:39
